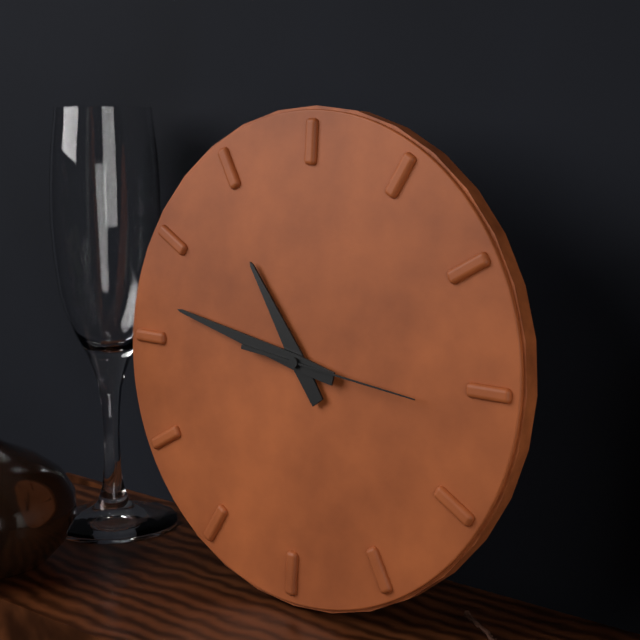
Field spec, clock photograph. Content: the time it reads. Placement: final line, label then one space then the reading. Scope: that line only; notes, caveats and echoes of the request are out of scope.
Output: 10:47:16
